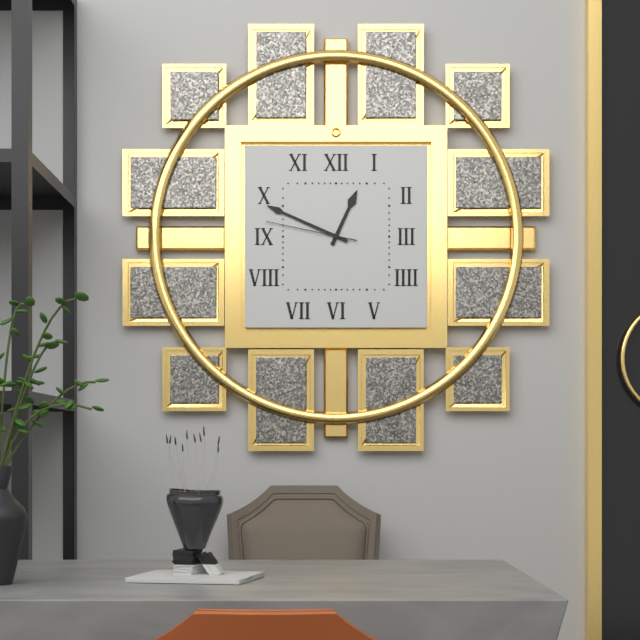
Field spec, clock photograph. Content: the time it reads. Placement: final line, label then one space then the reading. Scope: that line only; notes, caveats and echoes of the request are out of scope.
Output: 12:49:47
